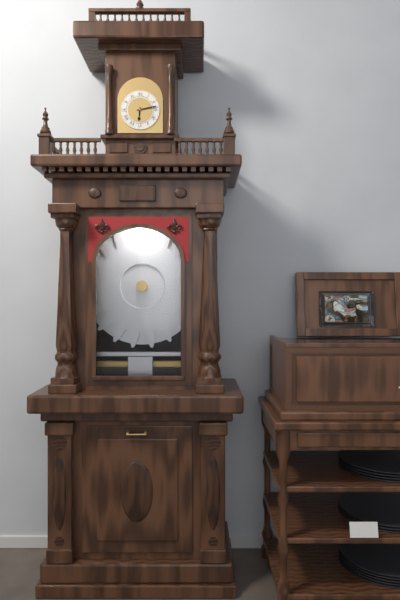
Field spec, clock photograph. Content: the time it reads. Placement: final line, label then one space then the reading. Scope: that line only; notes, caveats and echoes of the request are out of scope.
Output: 6:13
